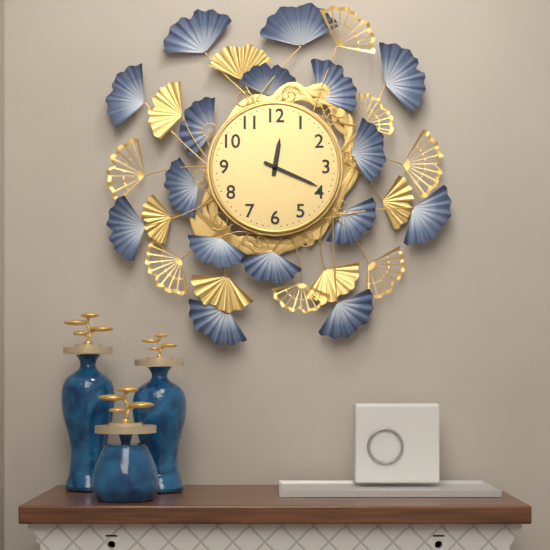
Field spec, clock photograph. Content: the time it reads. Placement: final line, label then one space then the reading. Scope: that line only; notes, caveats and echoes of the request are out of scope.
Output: 12:19
